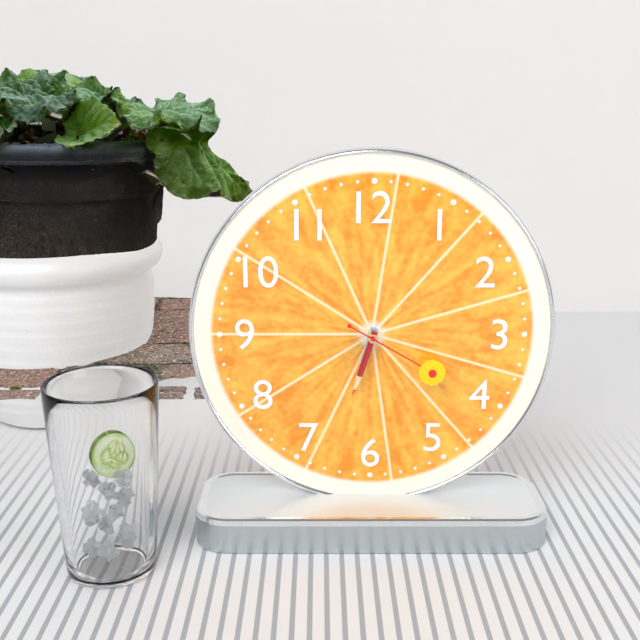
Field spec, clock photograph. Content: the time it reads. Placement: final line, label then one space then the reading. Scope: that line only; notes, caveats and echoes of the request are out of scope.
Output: 6:33:20
